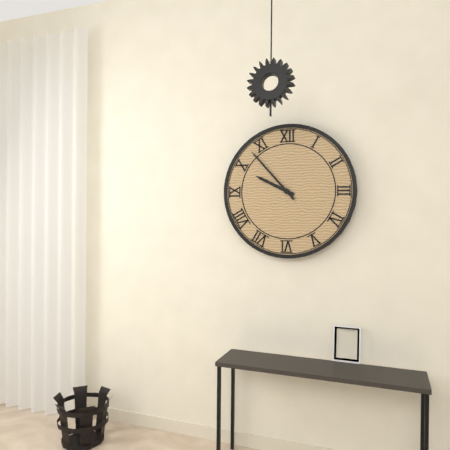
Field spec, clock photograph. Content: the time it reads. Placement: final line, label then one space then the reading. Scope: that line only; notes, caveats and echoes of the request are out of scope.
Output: 9:53
